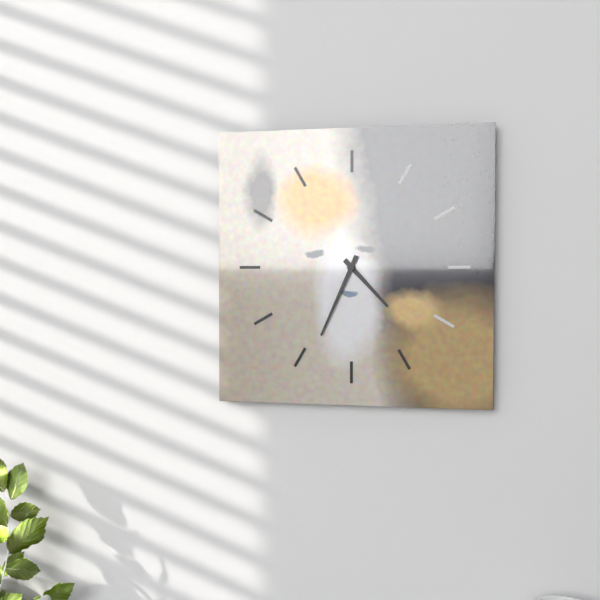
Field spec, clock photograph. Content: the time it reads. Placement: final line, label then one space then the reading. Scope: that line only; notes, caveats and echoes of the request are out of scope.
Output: 4:34
